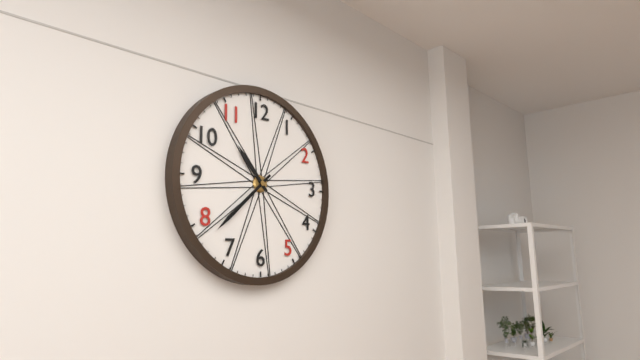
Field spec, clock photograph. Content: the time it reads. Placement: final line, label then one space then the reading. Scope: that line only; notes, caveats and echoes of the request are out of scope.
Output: 10:38
